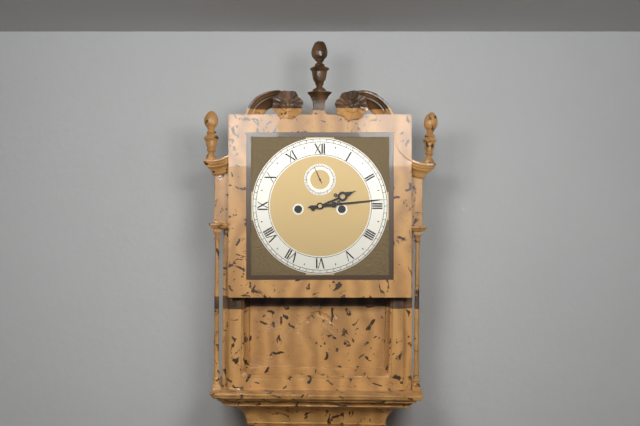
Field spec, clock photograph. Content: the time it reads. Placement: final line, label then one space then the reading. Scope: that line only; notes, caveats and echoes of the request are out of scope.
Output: 2:14
